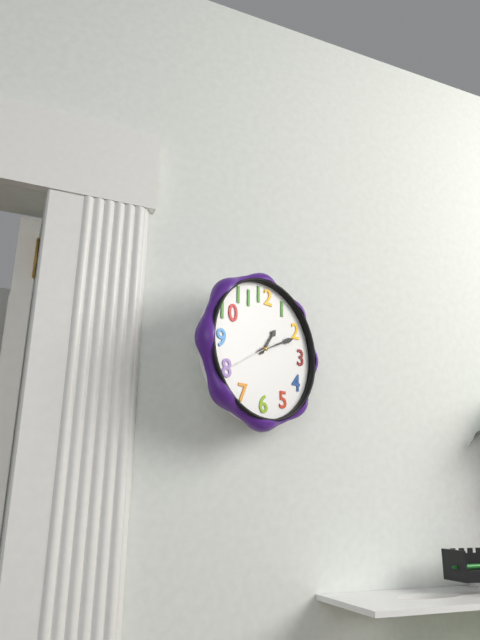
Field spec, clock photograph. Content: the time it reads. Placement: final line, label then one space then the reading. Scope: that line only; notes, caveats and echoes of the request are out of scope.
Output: 1:11
